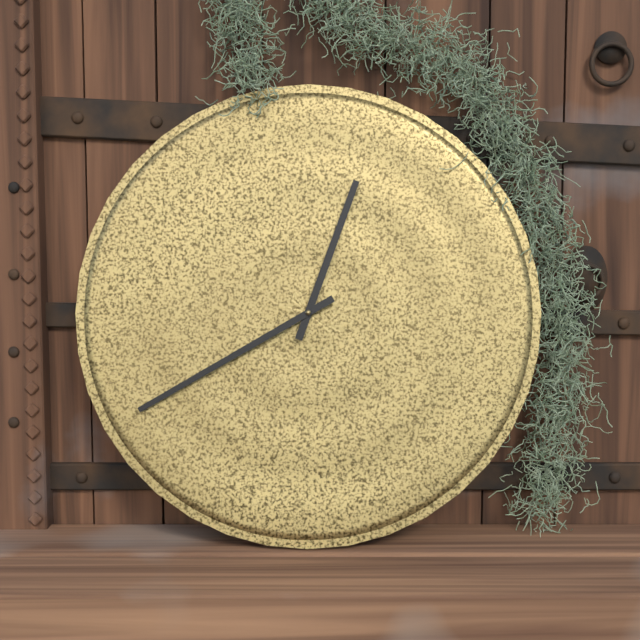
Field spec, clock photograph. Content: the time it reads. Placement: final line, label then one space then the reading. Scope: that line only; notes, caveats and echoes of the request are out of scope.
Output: 12:40
